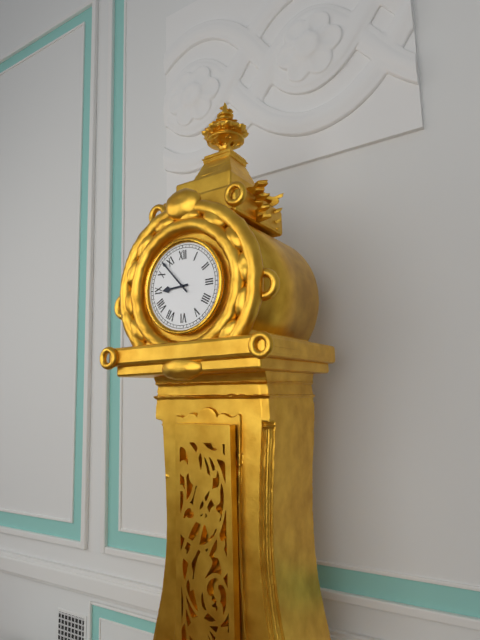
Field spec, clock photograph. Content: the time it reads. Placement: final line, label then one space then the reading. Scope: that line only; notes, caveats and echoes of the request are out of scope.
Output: 8:53
